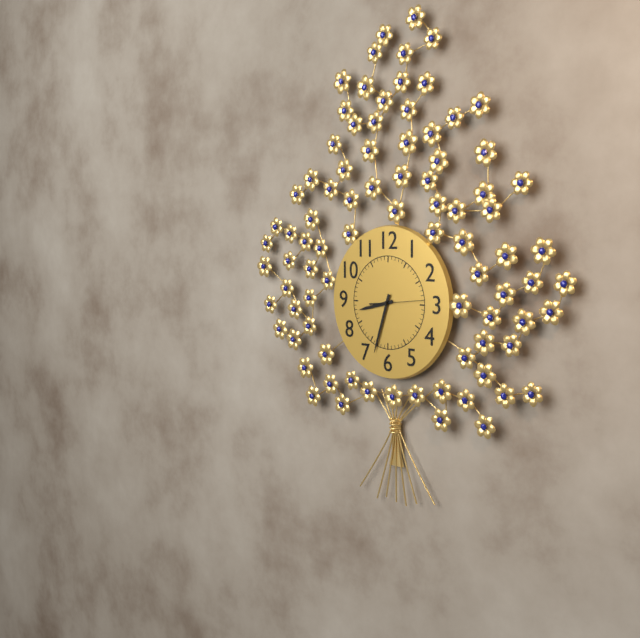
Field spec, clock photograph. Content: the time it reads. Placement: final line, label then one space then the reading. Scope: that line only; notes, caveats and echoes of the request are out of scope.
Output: 8:33
